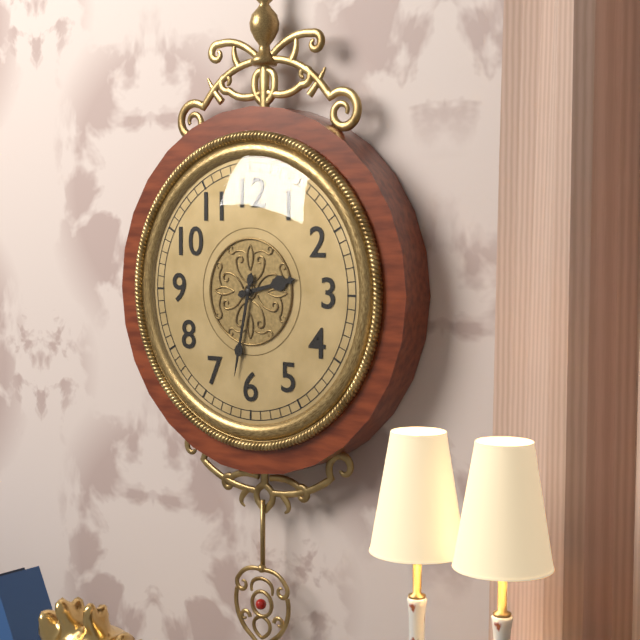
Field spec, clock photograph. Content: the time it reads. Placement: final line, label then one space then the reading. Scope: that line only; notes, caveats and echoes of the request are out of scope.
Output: 2:32
